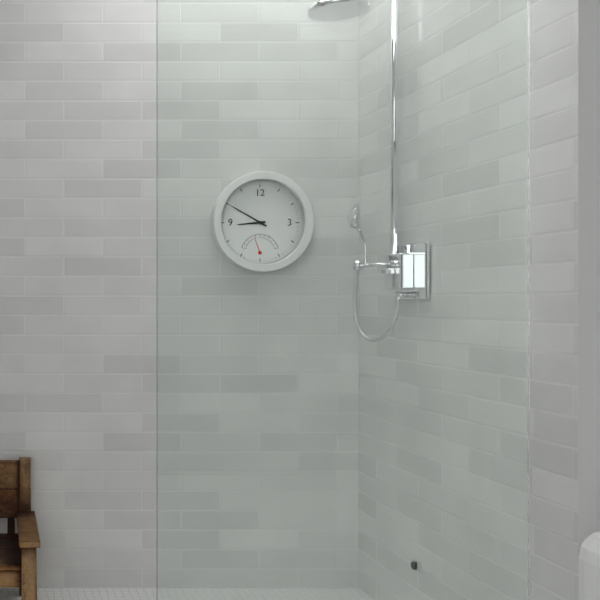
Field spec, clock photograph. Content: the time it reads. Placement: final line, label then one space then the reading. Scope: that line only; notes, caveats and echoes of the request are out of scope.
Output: 8:50
